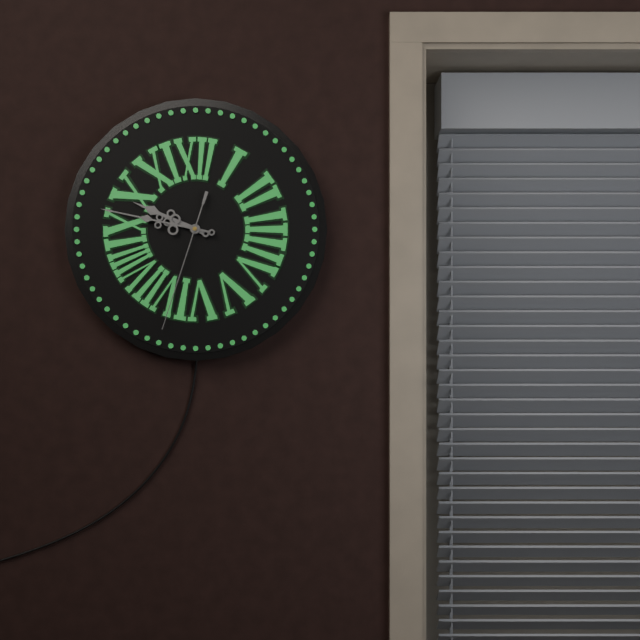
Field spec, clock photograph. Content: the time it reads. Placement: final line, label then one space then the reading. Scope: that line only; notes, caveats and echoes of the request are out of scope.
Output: 9:47:33
